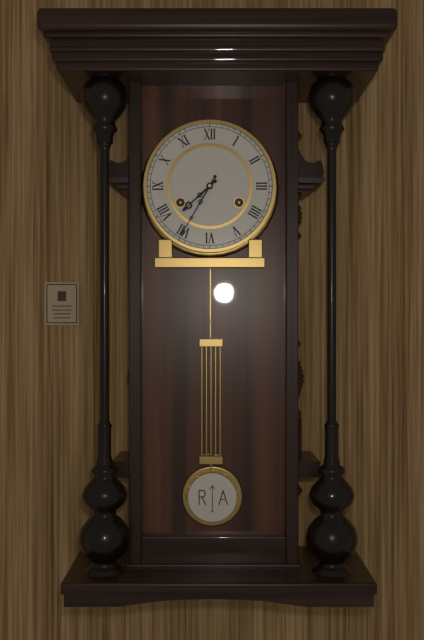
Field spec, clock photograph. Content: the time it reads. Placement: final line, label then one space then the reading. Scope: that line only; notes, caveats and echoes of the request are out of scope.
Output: 7:35
